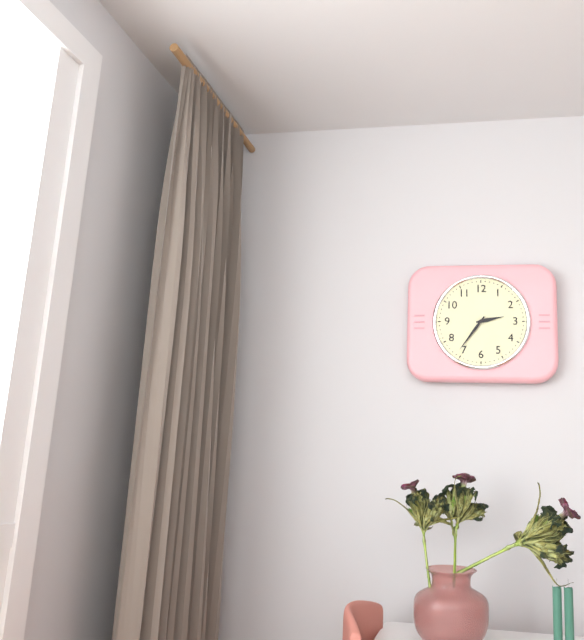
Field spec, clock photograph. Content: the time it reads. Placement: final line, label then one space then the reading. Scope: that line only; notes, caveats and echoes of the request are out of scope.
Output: 2:36
